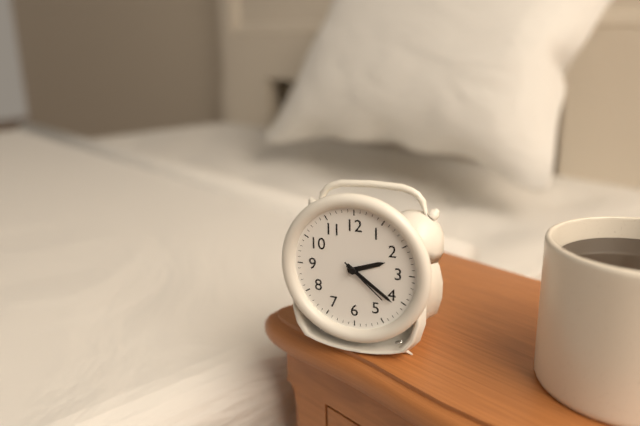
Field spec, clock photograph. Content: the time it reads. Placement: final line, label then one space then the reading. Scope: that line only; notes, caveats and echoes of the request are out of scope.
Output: 2:21:22
